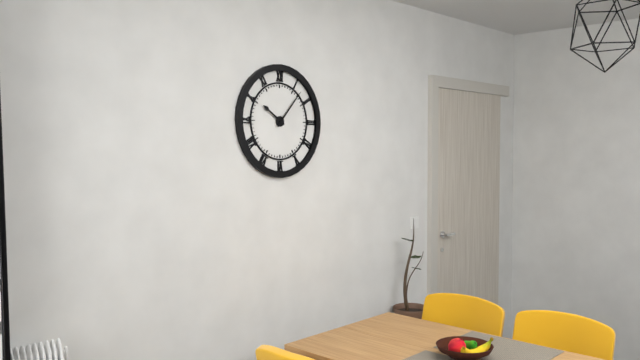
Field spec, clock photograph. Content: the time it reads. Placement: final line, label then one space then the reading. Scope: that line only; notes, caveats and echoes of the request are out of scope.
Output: 10:07
